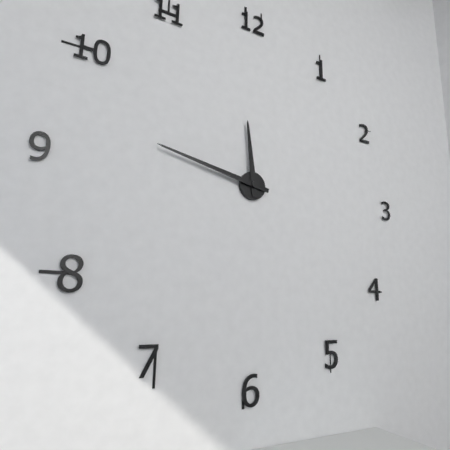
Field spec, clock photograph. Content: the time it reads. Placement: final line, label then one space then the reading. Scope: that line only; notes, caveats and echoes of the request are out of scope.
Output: 11:47
